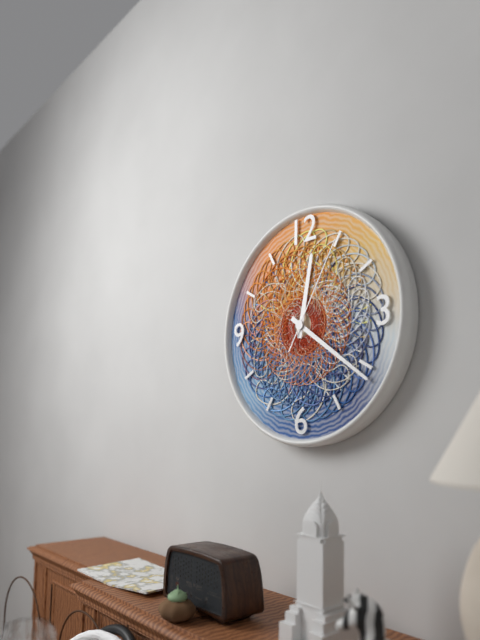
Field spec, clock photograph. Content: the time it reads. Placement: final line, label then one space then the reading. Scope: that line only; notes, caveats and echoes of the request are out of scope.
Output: 12:21:05
